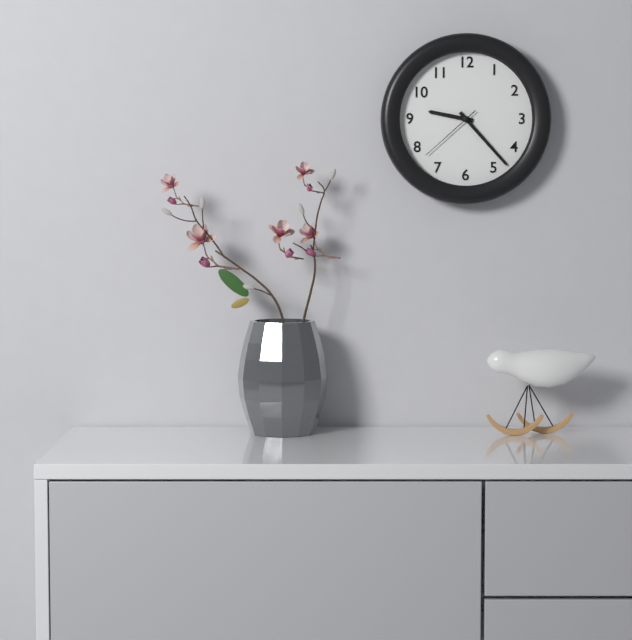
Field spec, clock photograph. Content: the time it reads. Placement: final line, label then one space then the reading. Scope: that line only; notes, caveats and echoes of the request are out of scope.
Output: 9:23:38
